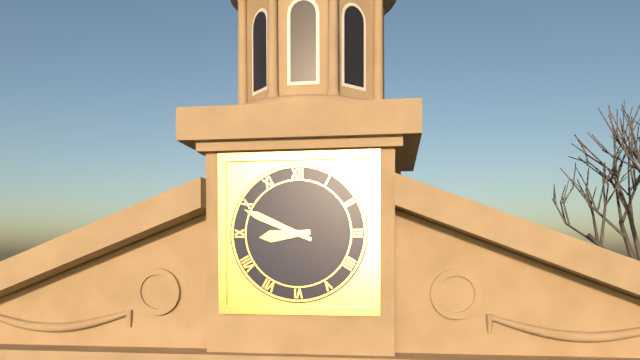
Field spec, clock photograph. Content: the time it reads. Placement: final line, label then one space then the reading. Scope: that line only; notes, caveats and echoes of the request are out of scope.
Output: 8:49
